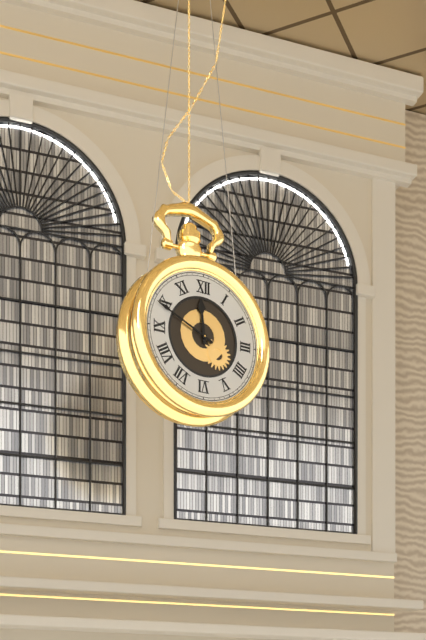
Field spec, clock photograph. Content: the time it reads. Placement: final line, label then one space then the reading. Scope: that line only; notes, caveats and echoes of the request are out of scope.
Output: 11:49
